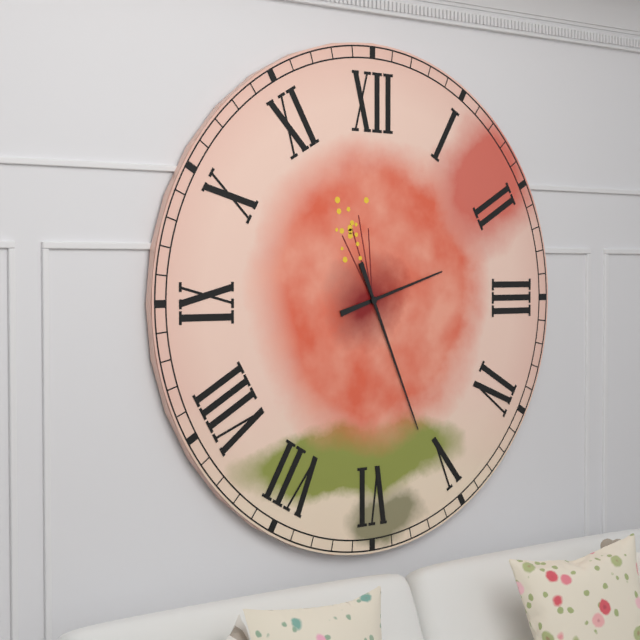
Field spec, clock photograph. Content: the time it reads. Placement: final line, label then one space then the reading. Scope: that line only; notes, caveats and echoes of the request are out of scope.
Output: 2:26
